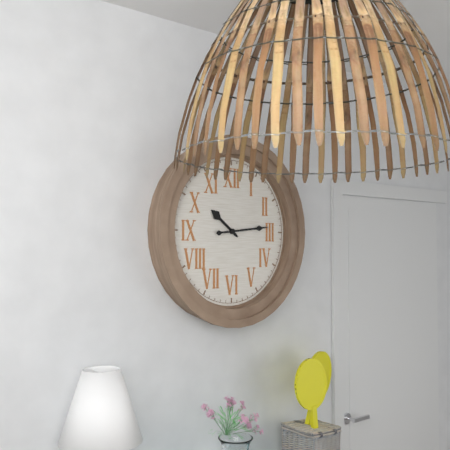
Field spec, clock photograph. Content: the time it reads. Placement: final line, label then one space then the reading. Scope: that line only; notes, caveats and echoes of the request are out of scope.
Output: 10:14
